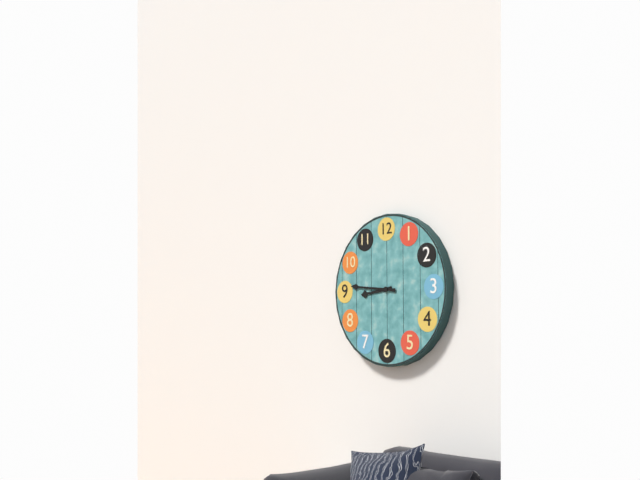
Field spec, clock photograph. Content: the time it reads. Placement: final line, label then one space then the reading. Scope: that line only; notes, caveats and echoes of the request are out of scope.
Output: 8:46
